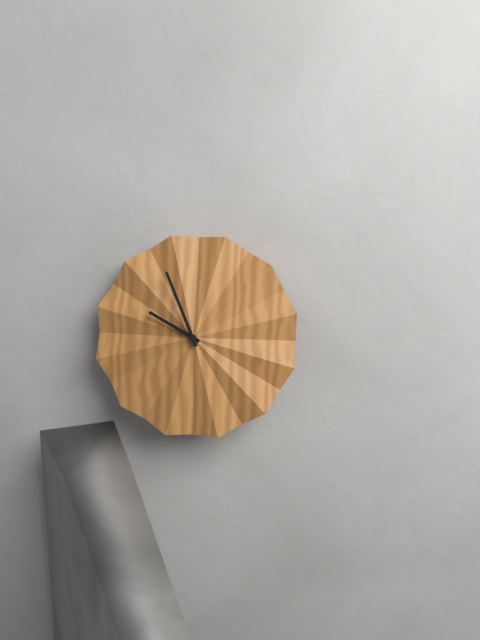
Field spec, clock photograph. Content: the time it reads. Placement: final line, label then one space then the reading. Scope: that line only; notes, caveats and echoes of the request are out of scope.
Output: 9:56
